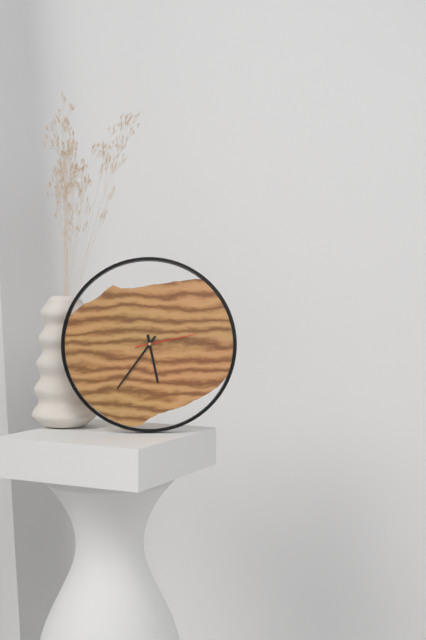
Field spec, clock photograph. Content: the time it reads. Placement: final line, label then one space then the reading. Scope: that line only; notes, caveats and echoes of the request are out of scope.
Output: 5:36:13
